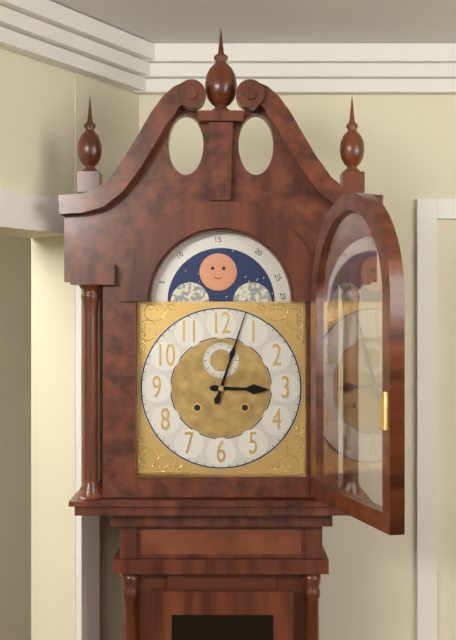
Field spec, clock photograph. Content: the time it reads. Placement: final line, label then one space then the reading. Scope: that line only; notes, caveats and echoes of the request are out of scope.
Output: 3:03
